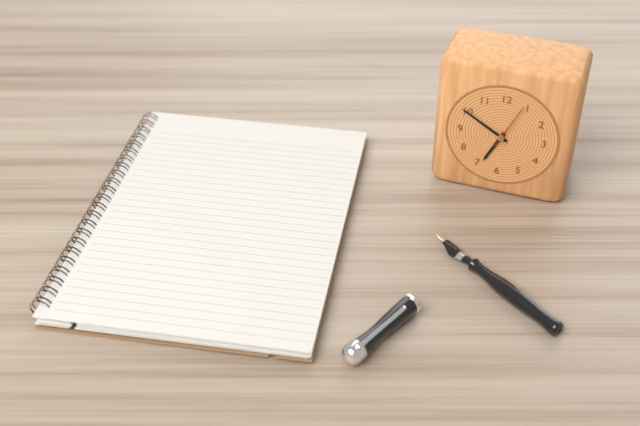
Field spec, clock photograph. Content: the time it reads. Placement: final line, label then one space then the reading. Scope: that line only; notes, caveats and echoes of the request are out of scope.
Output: 6:50
